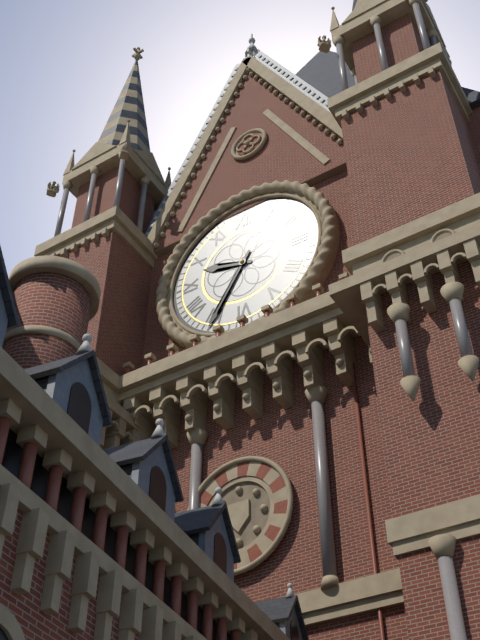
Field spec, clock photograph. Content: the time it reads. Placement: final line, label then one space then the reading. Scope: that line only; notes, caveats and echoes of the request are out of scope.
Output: 9:35
